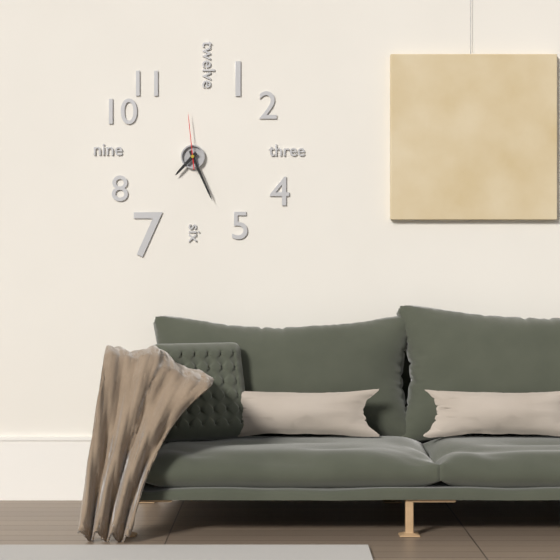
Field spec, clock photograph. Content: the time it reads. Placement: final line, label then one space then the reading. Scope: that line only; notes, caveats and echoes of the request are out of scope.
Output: 7:26:59
